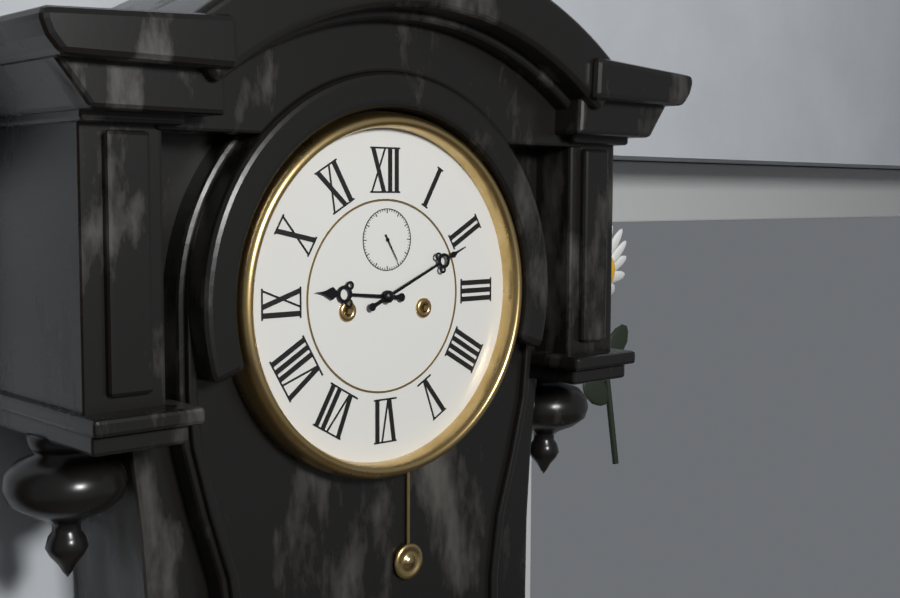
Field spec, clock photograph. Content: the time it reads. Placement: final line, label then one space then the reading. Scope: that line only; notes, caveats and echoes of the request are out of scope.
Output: 9:11
